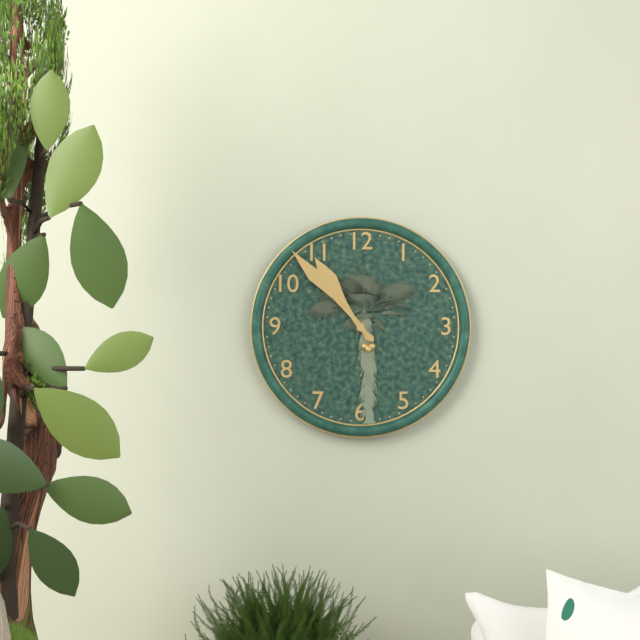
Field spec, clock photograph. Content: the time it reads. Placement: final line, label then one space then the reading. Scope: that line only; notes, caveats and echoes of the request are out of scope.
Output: 10:53
